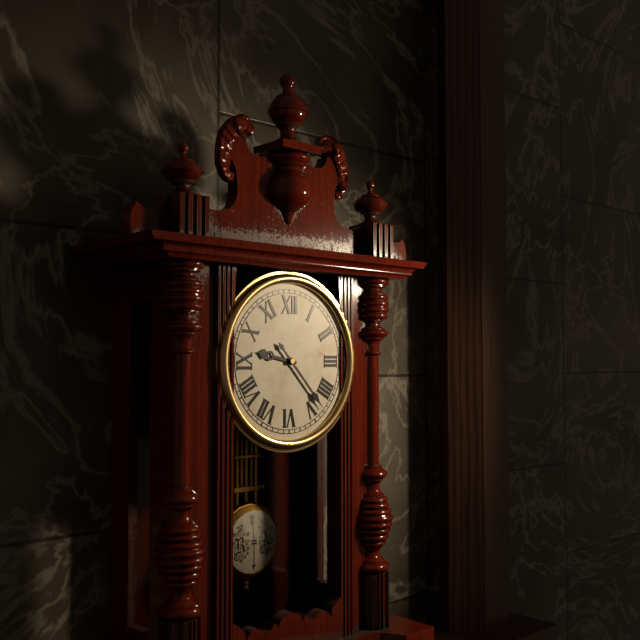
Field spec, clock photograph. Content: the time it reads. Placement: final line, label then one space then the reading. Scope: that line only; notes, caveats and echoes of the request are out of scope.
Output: 9:23
